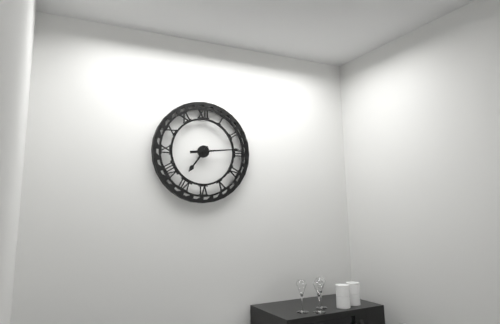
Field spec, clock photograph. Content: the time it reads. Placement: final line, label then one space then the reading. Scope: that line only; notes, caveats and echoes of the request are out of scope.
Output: 7:14
